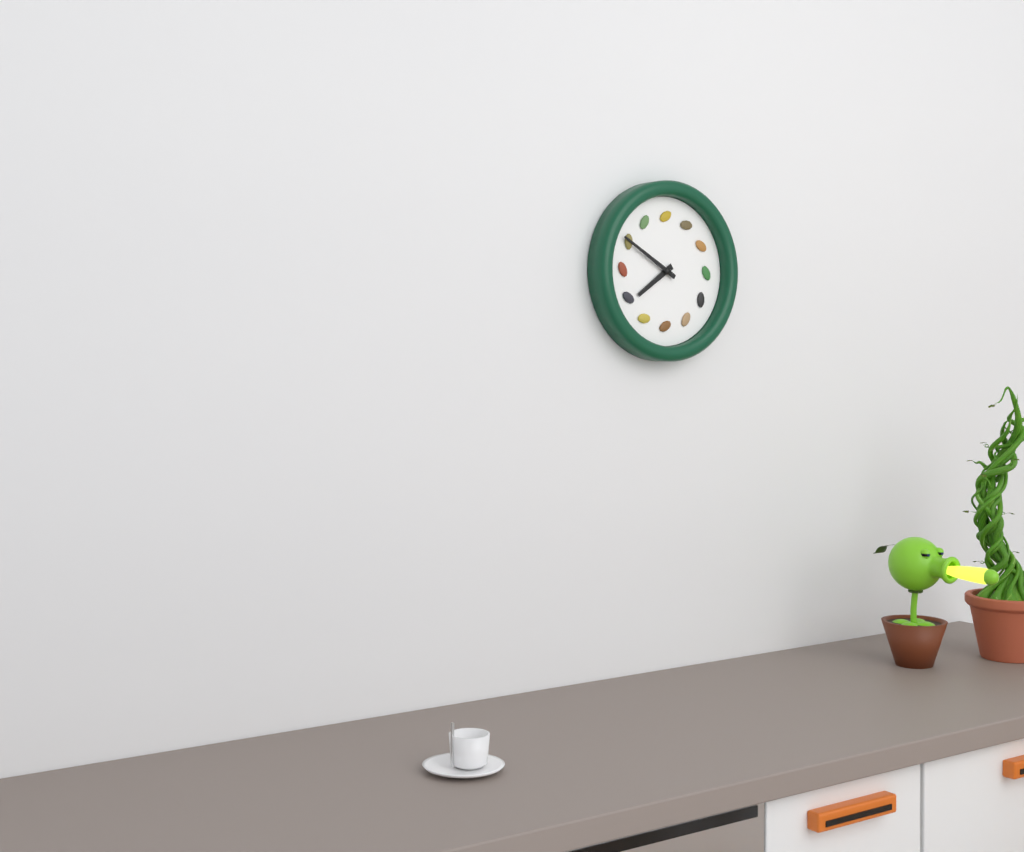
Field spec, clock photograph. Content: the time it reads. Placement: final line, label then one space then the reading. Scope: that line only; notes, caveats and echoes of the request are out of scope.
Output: 7:50
